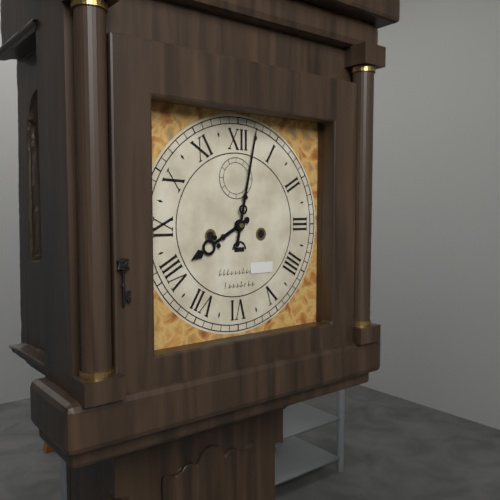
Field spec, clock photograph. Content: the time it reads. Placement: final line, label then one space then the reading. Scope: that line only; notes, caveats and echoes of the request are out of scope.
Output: 8:02
